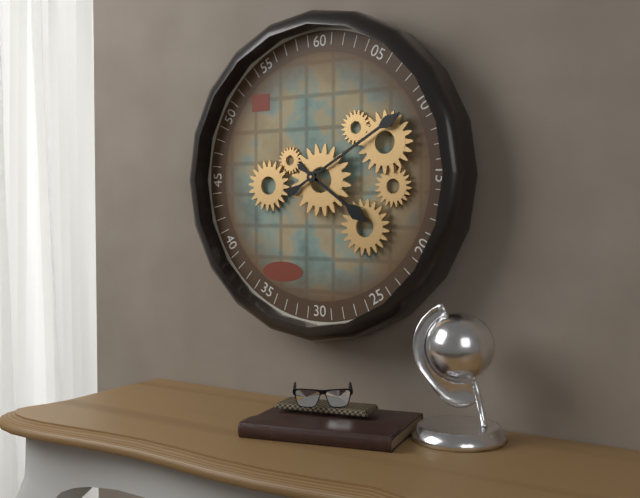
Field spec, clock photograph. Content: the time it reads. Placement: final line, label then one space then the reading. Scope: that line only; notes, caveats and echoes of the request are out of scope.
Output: 4:10
